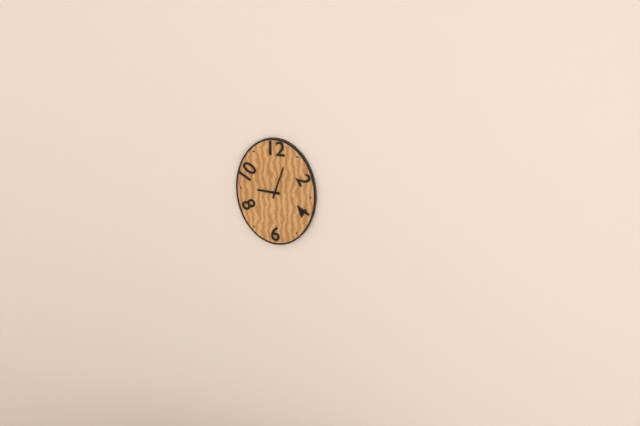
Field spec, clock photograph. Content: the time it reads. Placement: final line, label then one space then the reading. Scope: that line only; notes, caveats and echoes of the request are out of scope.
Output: 9:03
